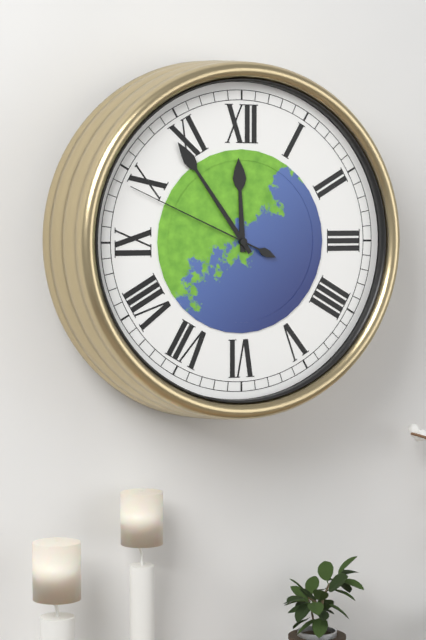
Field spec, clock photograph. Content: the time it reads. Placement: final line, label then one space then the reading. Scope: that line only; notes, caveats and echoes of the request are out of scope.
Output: 11:54:49
